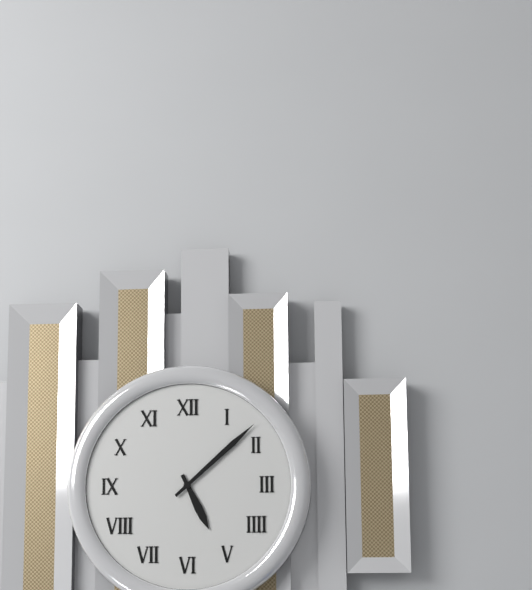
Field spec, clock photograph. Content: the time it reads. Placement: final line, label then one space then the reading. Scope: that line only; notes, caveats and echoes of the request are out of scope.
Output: 5:08
